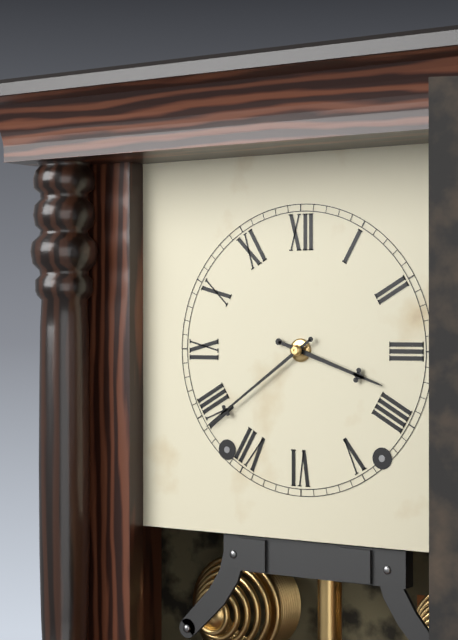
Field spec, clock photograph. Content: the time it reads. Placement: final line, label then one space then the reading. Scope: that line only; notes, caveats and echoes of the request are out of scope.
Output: 3:39
